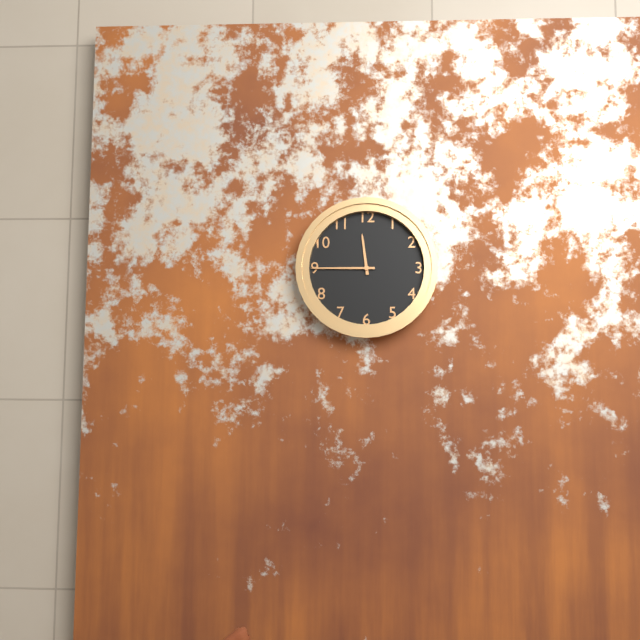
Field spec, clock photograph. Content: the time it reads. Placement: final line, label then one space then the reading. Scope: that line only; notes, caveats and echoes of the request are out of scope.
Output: 11:45
